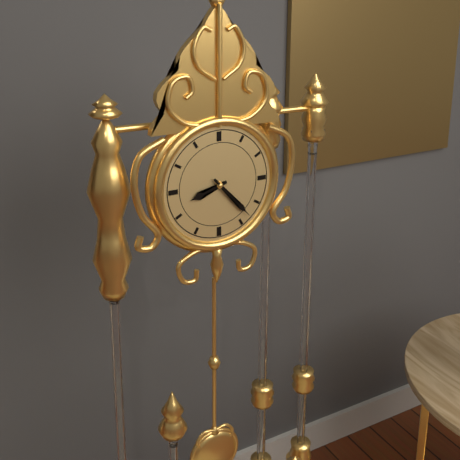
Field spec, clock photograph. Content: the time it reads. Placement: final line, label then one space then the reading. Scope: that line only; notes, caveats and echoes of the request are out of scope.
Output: 8:23
